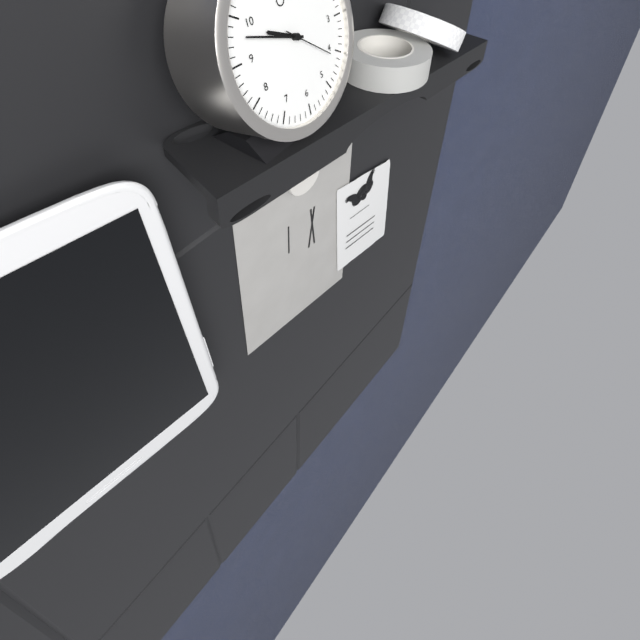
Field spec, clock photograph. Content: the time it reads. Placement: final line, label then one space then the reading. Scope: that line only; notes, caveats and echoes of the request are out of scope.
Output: 9:48:21
